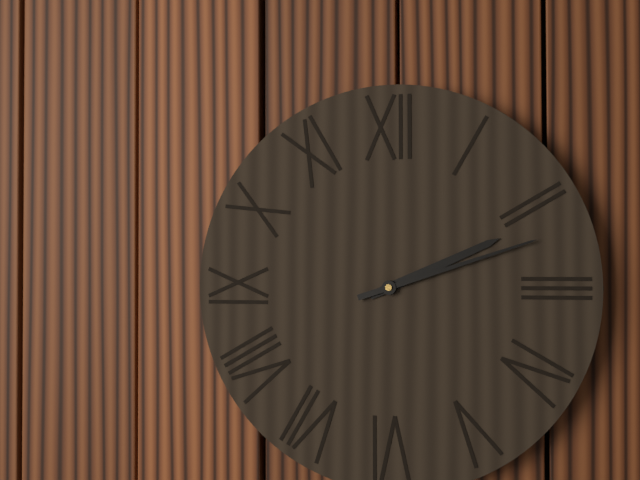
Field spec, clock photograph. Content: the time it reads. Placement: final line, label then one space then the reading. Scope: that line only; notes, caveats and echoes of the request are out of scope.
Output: 2:12
